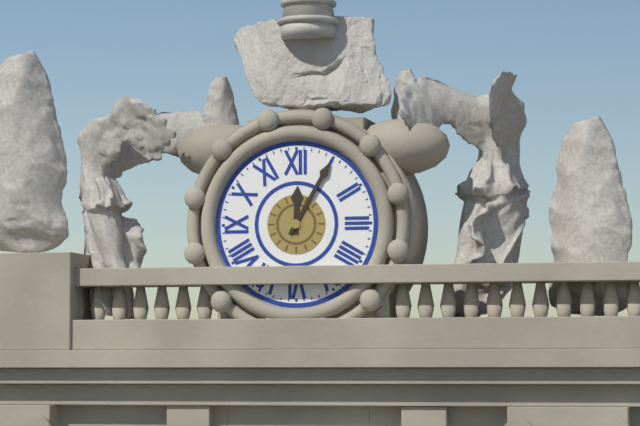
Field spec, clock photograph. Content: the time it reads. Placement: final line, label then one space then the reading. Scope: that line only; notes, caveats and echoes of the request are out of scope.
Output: 12:05
